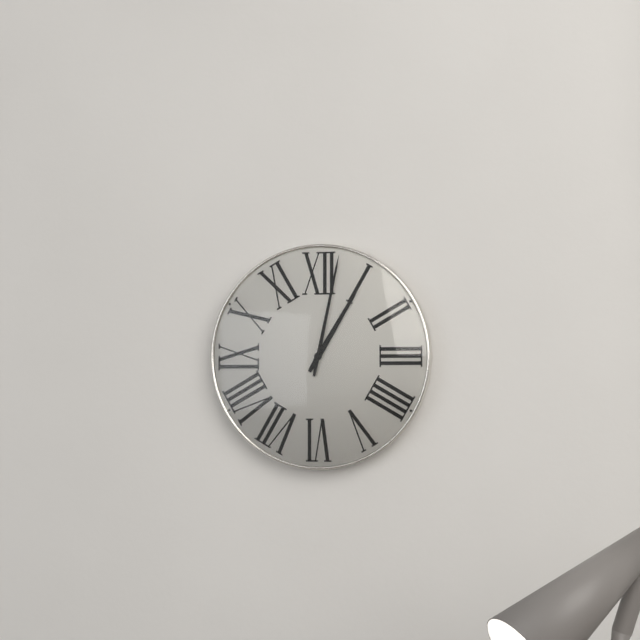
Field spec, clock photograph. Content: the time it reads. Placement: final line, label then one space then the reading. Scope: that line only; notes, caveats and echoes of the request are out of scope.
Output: 1:02
